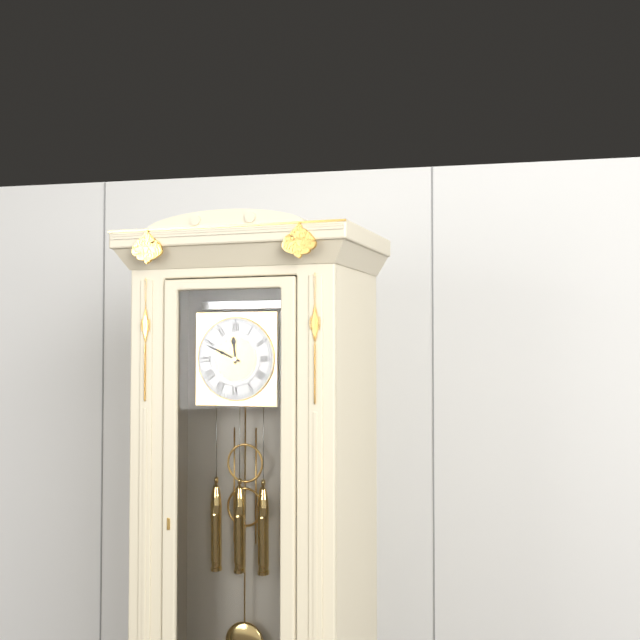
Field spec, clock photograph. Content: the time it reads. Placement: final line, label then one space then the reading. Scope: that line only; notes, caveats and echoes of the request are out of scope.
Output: 11:49
